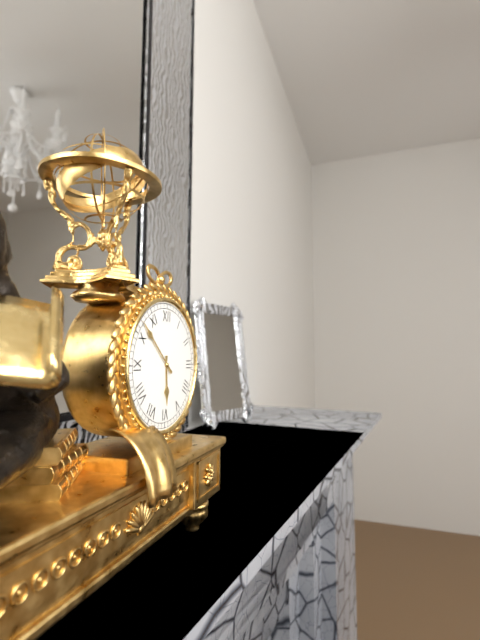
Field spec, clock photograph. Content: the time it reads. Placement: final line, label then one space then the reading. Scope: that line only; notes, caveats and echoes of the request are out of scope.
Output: 5:52
